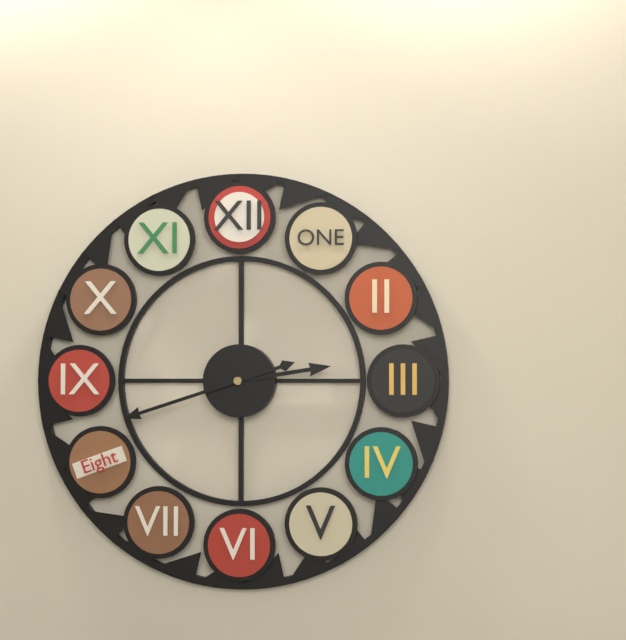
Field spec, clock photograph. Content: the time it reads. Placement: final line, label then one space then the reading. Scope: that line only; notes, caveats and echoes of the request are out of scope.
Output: 2:42
